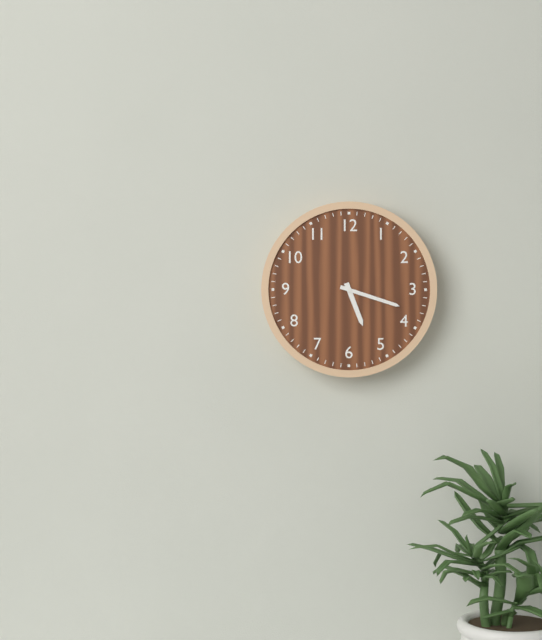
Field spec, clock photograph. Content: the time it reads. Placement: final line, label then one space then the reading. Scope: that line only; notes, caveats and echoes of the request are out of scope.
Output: 5:18
